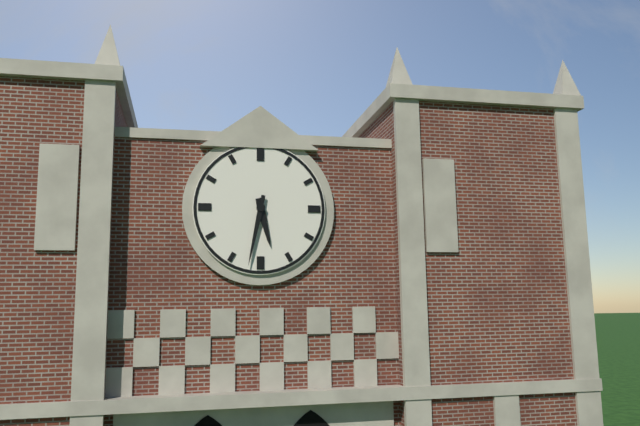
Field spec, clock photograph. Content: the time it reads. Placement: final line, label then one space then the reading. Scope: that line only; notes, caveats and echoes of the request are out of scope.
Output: 5:32
